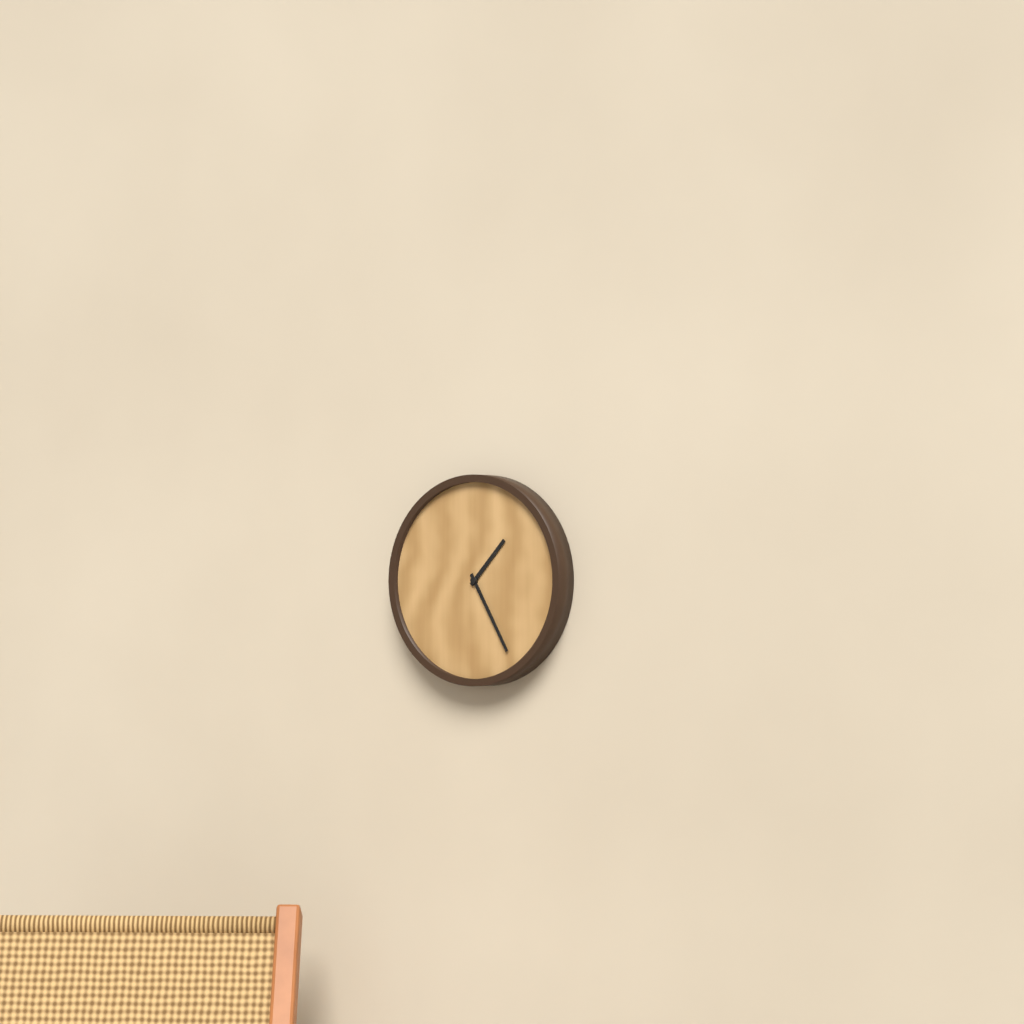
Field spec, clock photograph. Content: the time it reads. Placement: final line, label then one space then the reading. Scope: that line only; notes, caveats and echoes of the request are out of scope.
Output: 1:25
